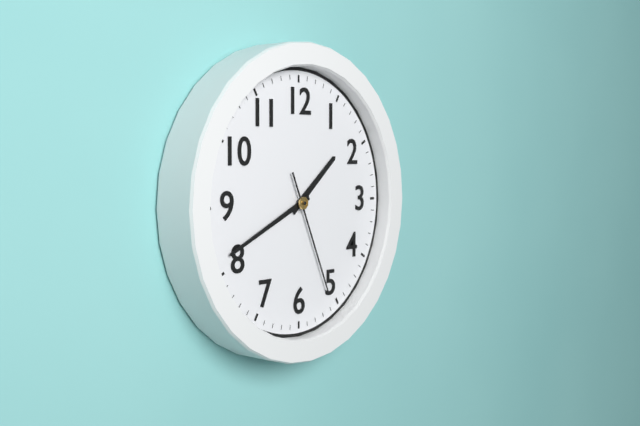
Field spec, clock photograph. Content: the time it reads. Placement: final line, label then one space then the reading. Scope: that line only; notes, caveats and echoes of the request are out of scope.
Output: 1:41:26
